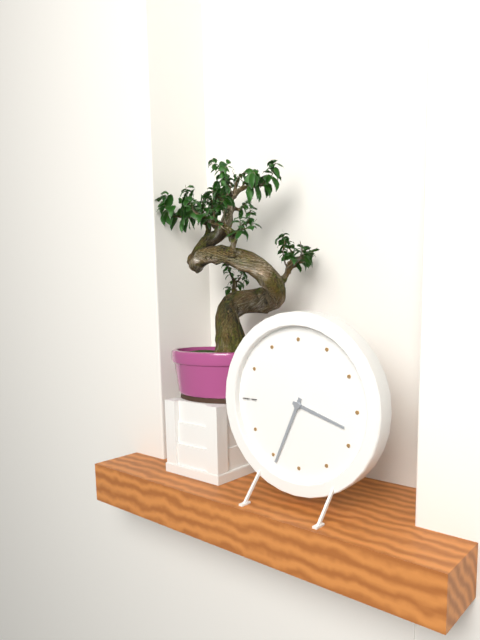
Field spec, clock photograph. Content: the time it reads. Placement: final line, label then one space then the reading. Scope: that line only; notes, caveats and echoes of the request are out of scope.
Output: 3:34
